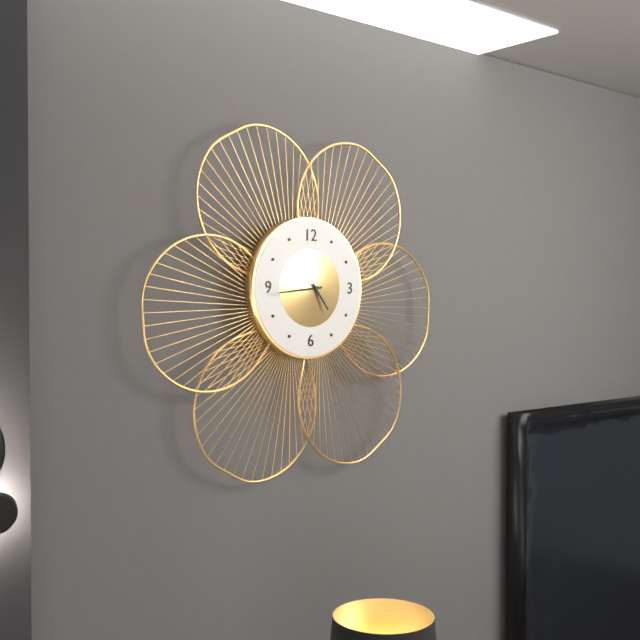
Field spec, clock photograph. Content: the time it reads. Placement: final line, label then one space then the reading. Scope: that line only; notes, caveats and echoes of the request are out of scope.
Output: 4:44
